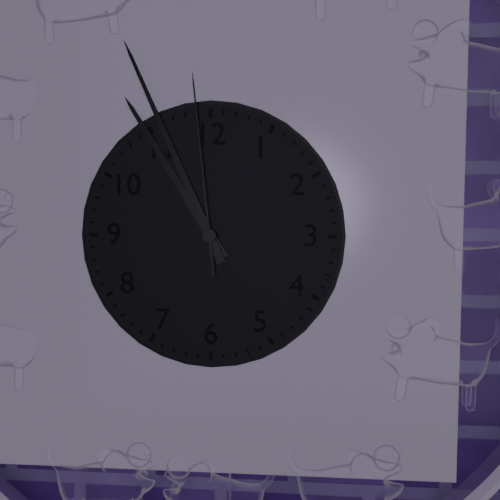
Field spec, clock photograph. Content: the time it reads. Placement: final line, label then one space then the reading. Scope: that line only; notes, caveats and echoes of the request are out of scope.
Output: 10:56:59
